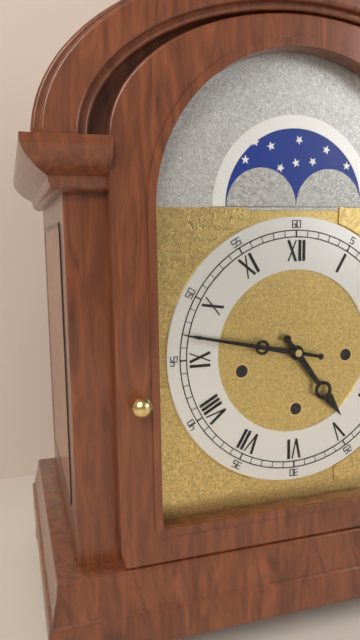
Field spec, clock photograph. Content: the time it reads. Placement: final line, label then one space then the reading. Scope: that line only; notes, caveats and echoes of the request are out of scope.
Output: 4:47
